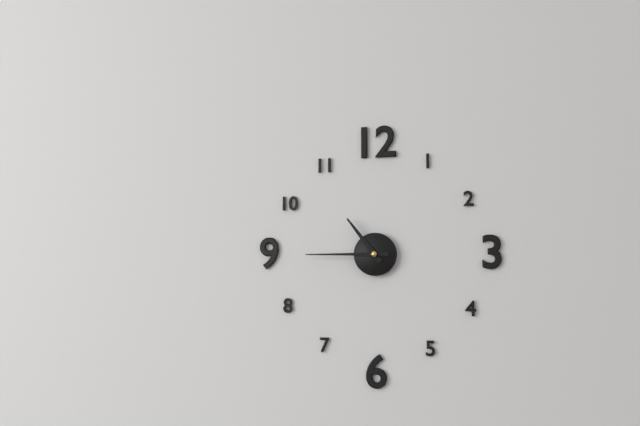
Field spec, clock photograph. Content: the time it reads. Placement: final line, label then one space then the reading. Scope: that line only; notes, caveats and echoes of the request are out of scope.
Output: 10:45
